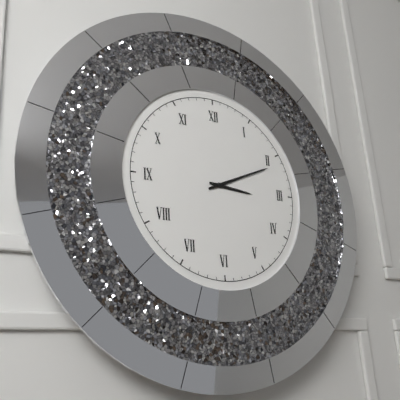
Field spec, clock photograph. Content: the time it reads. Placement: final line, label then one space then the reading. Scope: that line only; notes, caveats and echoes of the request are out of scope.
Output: 3:11
